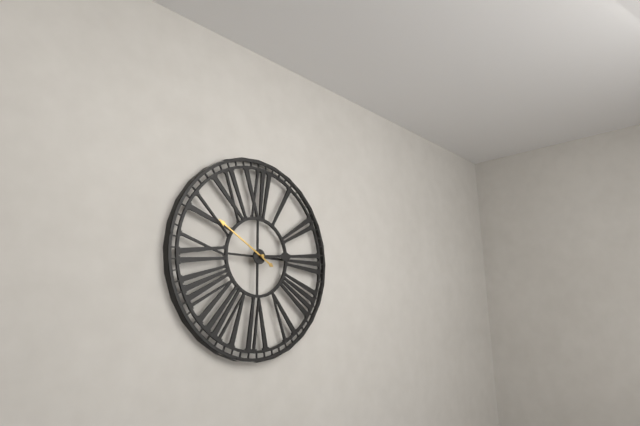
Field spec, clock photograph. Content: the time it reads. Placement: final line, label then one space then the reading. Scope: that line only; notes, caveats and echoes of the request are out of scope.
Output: 2:50
